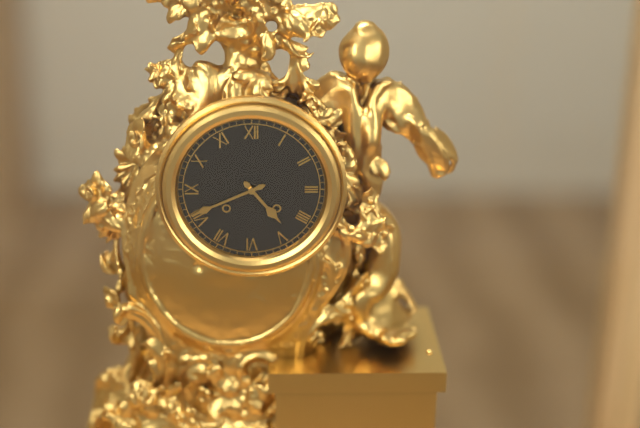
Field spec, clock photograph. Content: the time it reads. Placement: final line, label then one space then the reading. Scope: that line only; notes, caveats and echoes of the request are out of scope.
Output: 4:41
